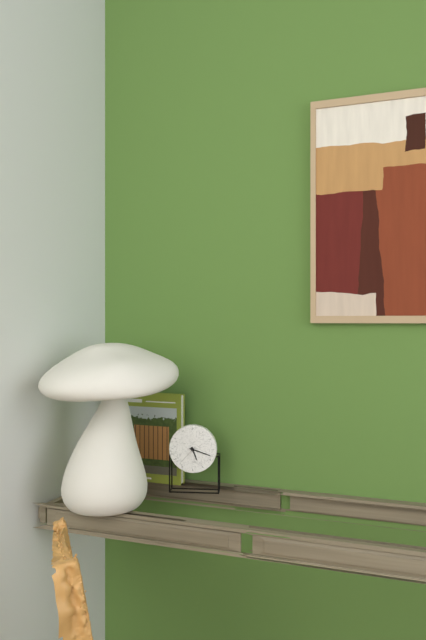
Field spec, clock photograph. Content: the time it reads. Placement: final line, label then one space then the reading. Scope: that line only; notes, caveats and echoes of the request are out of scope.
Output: 5:18
